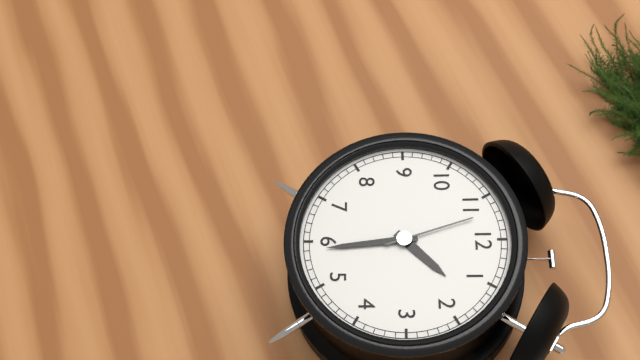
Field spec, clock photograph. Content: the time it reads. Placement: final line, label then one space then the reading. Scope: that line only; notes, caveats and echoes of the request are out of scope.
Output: 1:29:57
